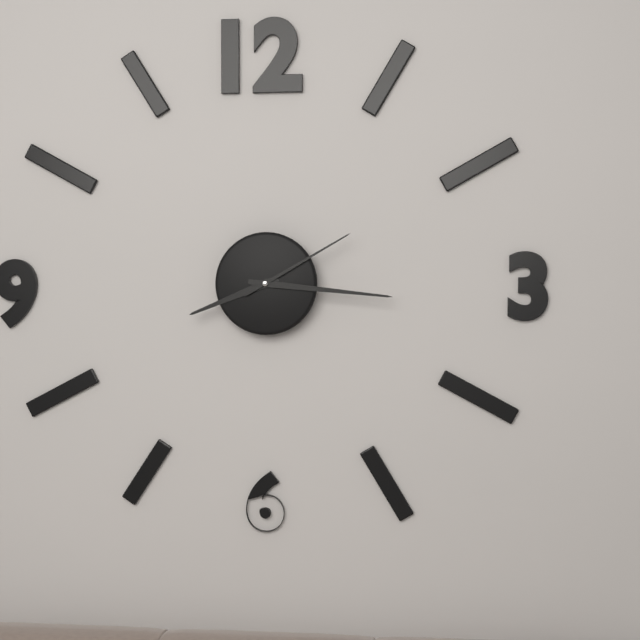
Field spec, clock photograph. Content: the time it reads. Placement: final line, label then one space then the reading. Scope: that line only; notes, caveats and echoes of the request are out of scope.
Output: 8:16:10
